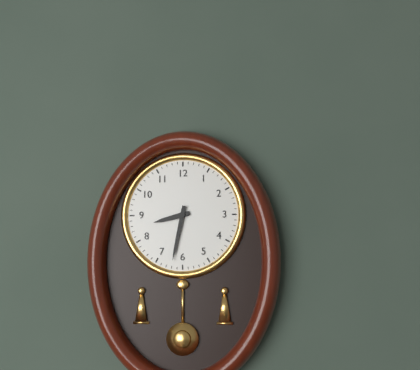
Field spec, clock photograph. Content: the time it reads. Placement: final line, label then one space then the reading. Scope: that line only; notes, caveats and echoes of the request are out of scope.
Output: 8:32
